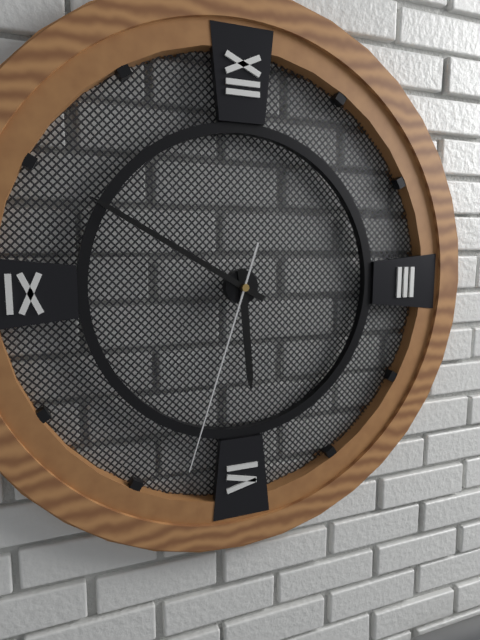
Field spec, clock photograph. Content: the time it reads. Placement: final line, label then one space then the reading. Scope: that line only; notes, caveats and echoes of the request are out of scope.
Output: 5:50:33
